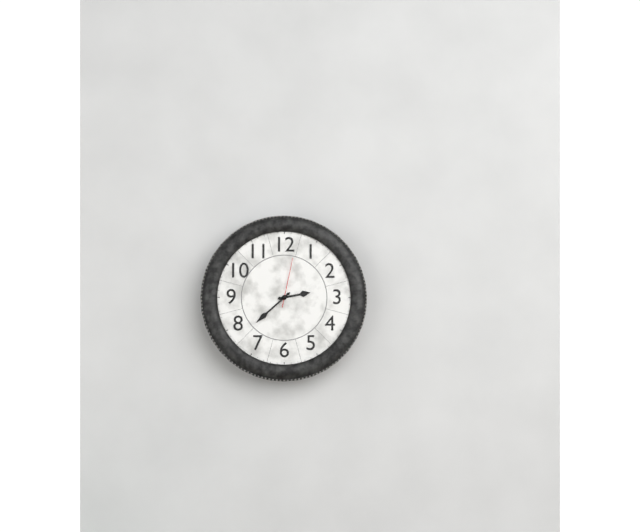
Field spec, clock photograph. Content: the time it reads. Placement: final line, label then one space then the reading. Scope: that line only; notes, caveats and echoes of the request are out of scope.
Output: 2:38:02
